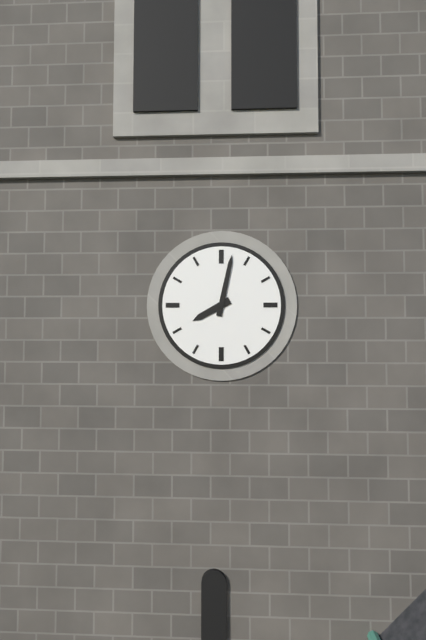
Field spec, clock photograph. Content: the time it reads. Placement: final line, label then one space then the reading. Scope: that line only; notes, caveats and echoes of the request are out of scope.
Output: 8:02
